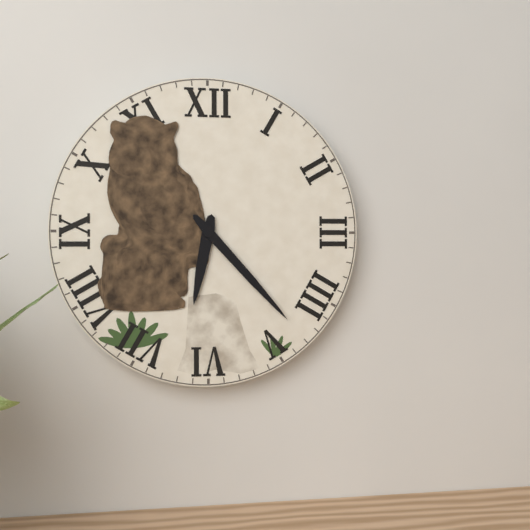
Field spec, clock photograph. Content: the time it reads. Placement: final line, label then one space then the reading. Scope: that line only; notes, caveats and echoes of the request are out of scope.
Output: 6:23
